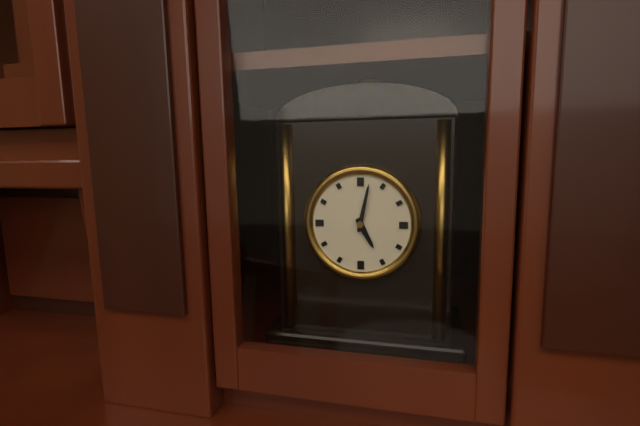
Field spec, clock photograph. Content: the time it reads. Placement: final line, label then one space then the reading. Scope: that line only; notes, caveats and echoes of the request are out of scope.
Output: 5:02
